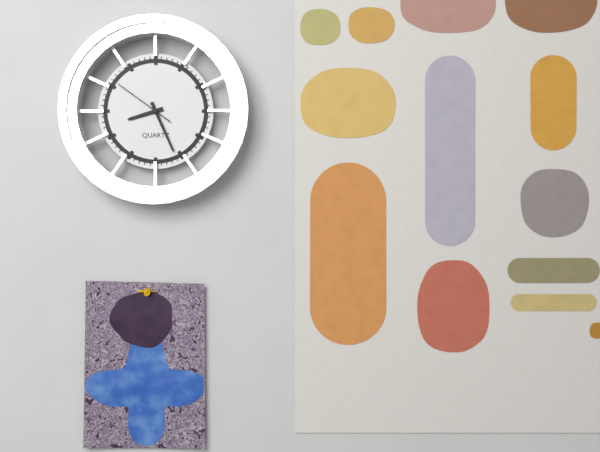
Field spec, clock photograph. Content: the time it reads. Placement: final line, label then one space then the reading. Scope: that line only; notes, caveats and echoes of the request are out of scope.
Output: 8:26:51
